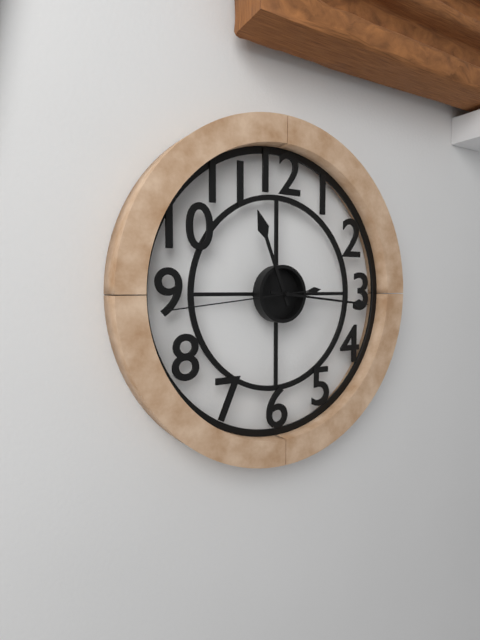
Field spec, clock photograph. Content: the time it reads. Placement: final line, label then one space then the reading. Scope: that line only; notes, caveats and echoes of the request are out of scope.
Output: 11:16:44
